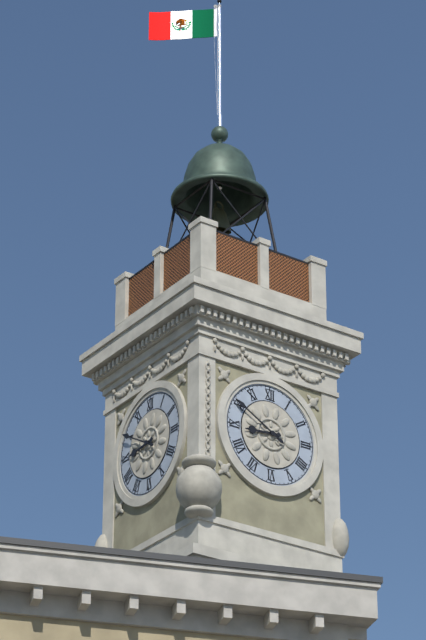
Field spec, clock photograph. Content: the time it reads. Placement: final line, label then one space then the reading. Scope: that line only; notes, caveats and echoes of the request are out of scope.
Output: 8:50
